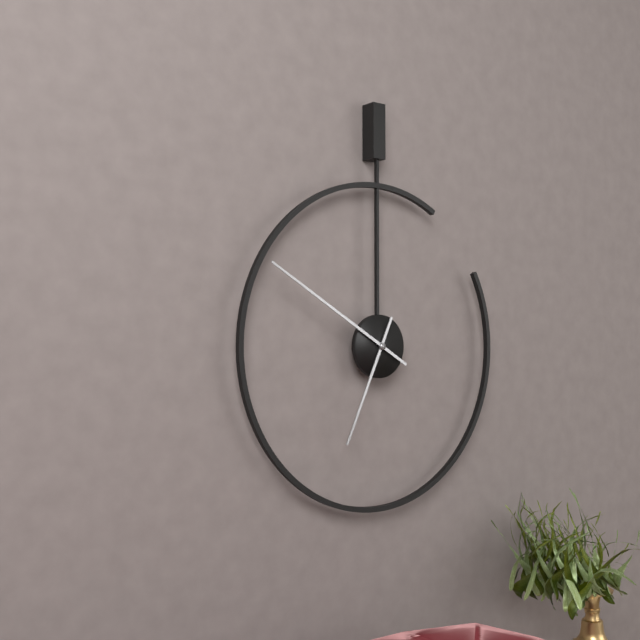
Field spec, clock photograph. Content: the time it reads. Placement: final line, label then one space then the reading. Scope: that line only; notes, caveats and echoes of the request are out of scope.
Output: 6:50
